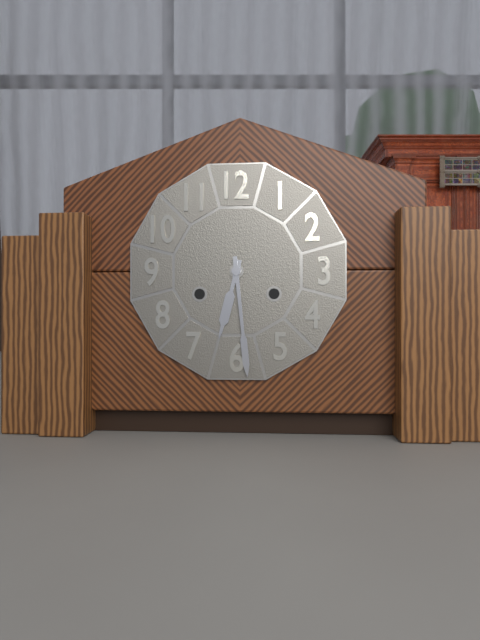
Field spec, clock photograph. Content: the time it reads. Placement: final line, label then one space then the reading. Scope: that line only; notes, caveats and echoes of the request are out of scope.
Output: 6:29
